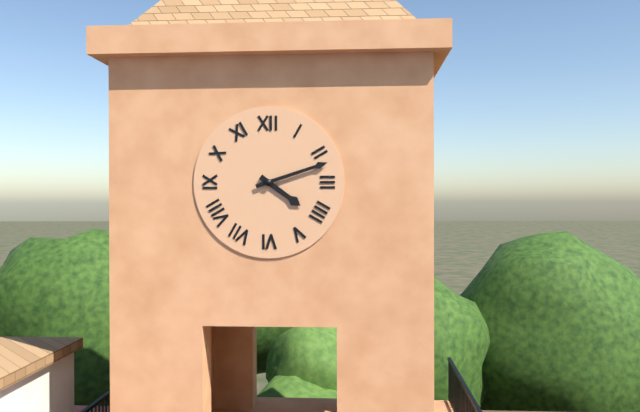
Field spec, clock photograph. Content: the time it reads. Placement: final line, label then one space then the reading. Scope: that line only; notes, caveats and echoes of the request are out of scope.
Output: 4:12
